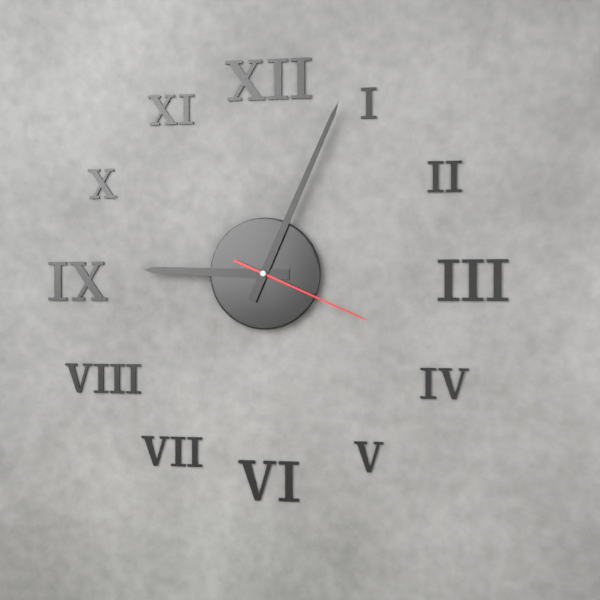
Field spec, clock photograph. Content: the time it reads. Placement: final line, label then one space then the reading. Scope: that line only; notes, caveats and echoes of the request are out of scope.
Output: 9:04:19
